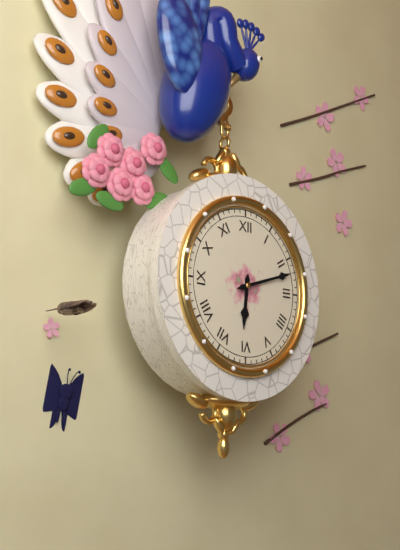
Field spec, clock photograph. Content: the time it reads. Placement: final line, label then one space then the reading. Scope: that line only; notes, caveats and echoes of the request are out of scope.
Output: 6:12
